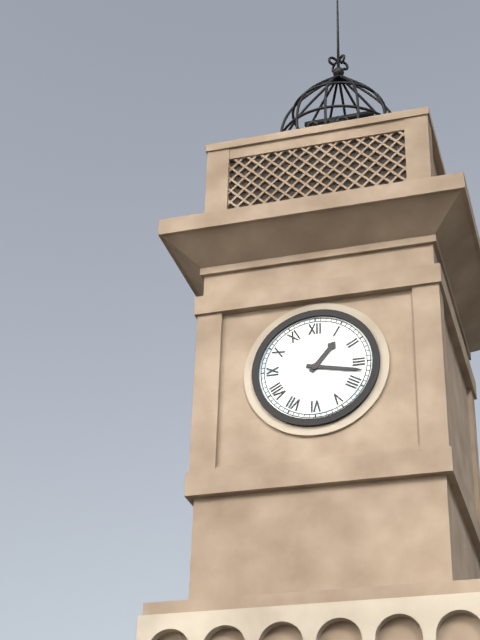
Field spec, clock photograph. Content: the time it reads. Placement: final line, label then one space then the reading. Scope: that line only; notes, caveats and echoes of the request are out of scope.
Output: 1:17
